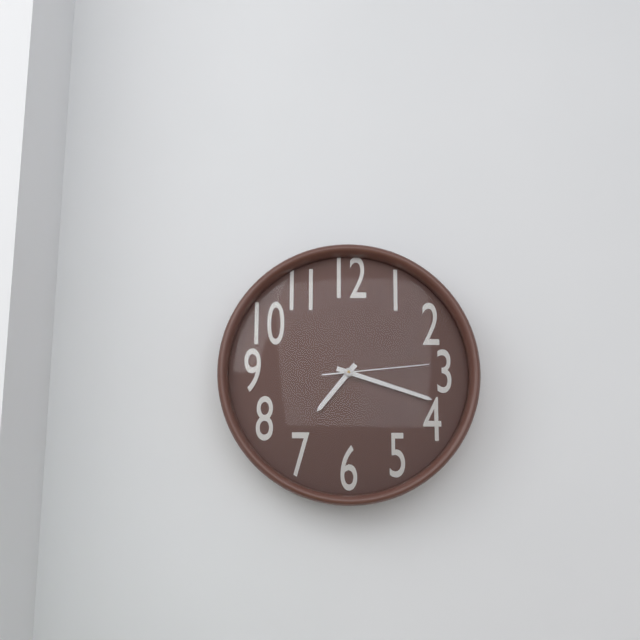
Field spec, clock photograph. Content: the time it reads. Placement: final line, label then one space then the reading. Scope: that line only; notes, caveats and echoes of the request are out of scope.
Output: 7:18:14
